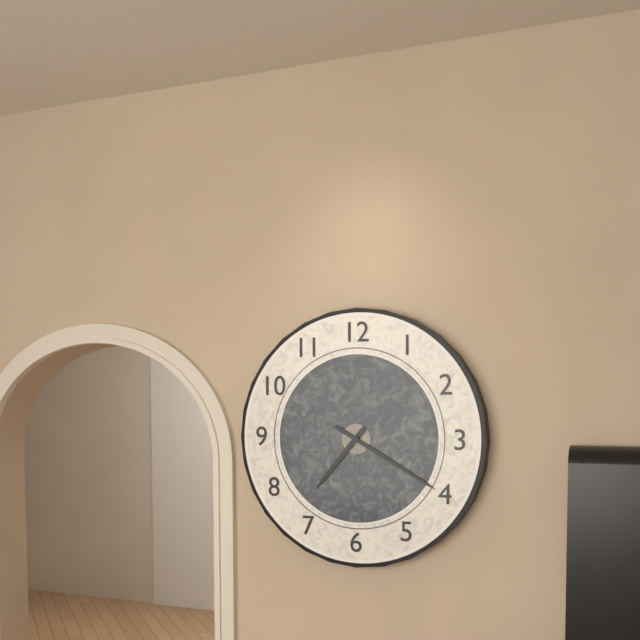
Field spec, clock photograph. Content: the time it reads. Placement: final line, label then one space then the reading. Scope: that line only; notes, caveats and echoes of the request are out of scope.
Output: 7:20
